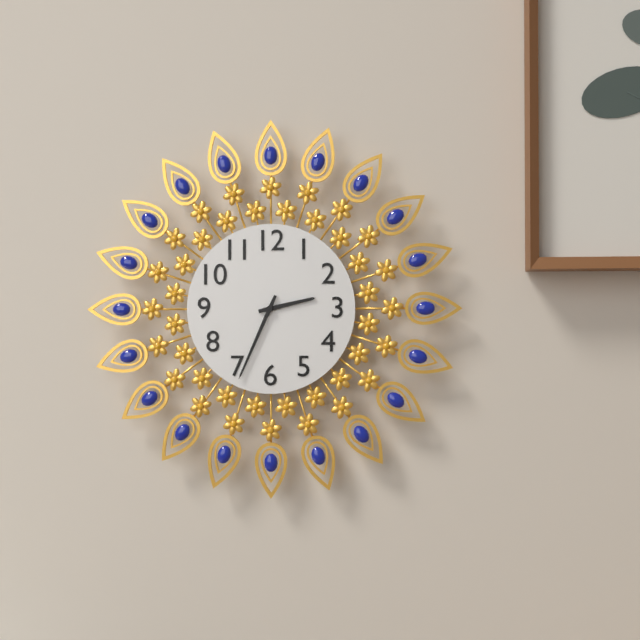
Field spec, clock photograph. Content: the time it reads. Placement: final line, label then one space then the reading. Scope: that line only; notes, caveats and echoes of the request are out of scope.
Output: 2:34
